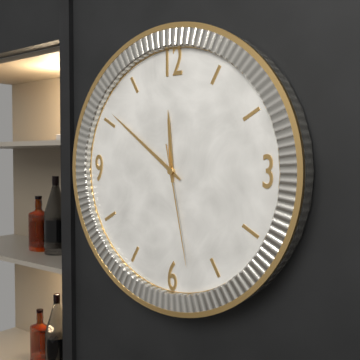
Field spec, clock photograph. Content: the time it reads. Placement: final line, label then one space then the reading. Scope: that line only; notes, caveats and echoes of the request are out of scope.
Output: 11:51:28
